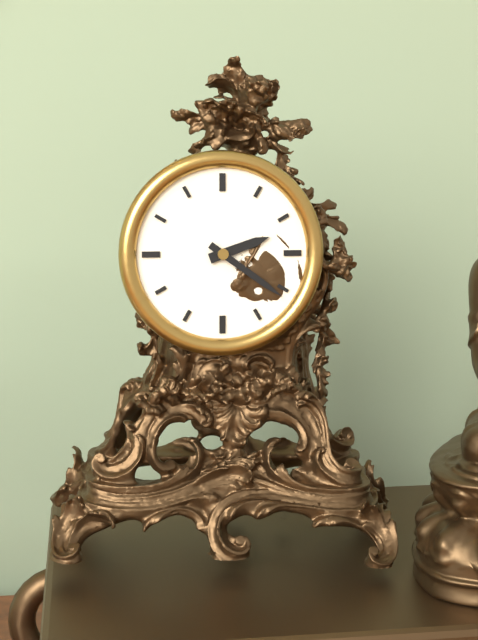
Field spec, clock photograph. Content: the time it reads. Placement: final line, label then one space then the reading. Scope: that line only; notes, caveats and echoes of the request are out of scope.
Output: 2:21
